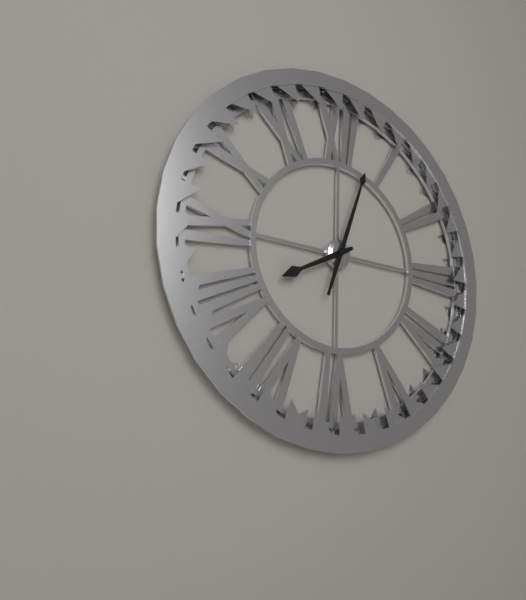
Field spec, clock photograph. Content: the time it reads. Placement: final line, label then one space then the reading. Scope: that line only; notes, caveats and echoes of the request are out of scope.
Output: 8:03
